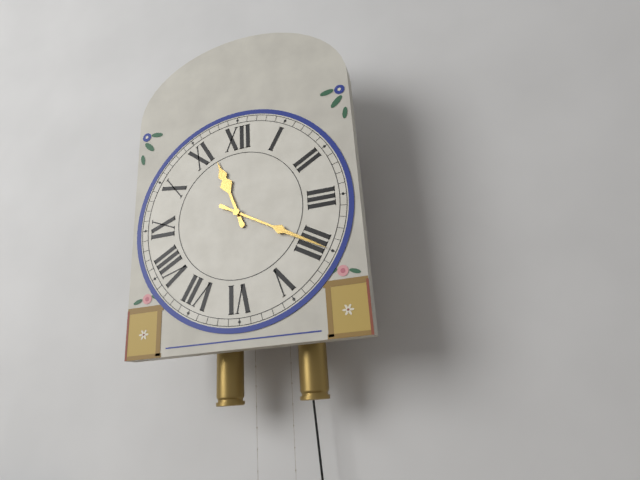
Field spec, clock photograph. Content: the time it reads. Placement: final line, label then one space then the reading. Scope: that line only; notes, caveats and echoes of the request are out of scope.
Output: 11:20
